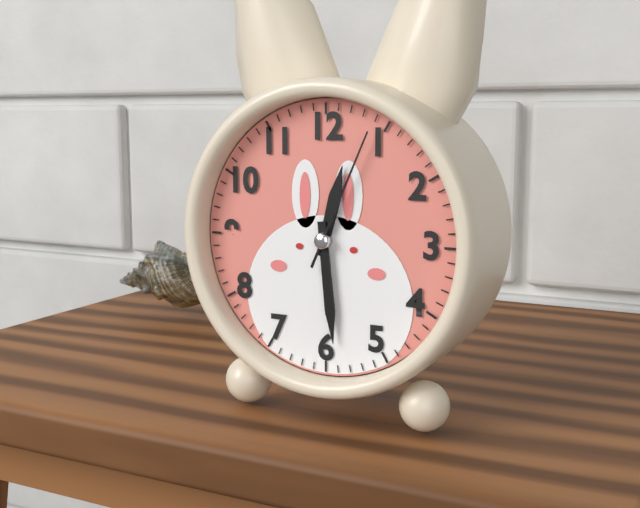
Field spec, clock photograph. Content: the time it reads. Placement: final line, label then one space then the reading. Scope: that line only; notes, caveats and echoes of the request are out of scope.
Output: 12:29:04
